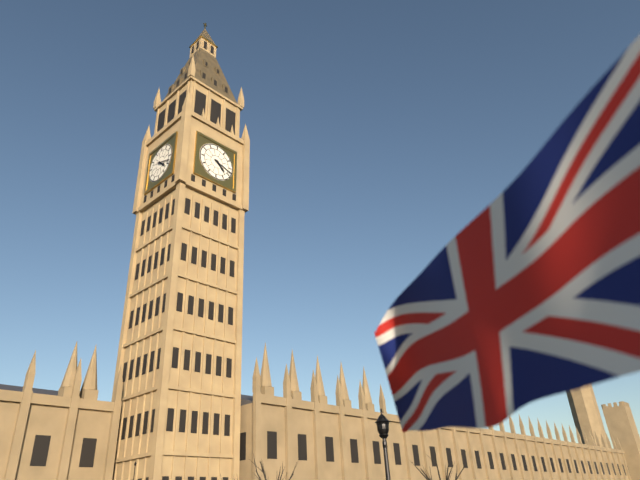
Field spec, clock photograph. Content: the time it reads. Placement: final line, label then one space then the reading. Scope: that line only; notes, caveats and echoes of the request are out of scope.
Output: 4:18
